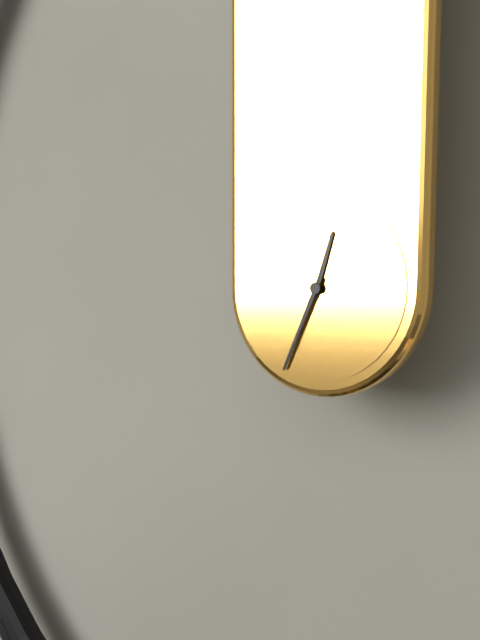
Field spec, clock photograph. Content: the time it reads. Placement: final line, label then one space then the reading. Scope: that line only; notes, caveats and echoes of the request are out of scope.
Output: 12:34
